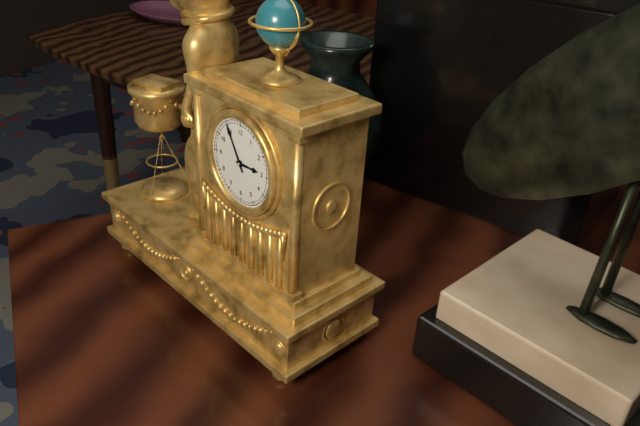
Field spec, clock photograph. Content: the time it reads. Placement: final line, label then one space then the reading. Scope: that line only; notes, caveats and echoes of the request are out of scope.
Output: 2:55
